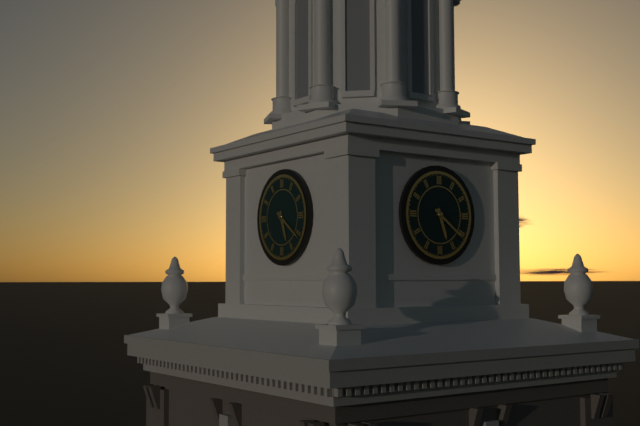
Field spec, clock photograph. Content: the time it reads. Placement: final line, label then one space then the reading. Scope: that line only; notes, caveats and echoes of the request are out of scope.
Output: 5:21
